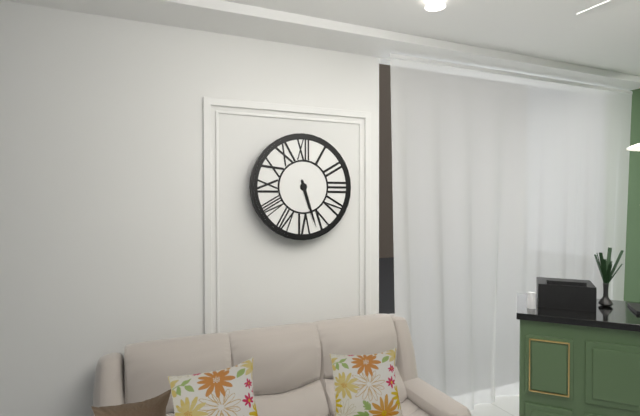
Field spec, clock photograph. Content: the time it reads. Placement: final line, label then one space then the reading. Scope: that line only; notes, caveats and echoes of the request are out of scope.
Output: 5:27
